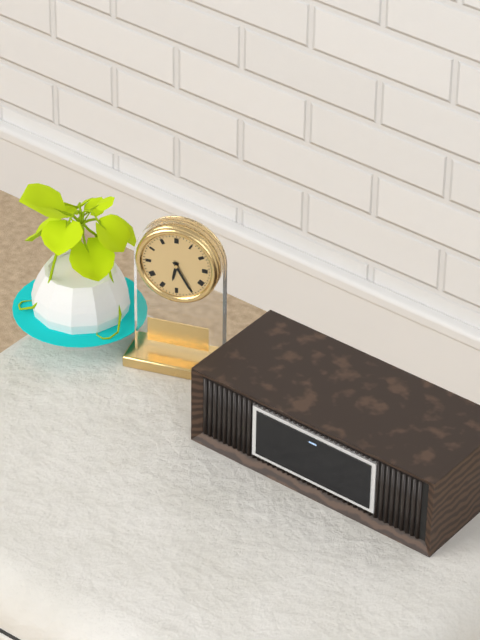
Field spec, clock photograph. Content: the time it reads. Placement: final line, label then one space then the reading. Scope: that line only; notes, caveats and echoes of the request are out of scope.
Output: 6:25
